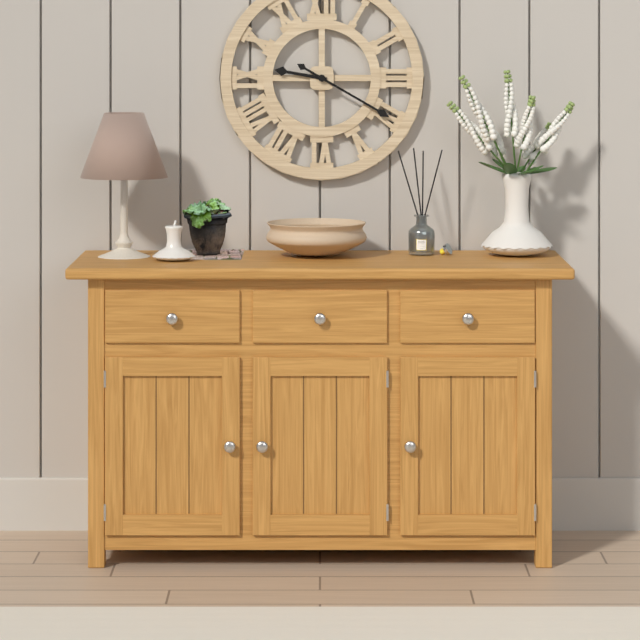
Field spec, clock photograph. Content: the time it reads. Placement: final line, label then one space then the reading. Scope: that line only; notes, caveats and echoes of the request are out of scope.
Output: 9:20
